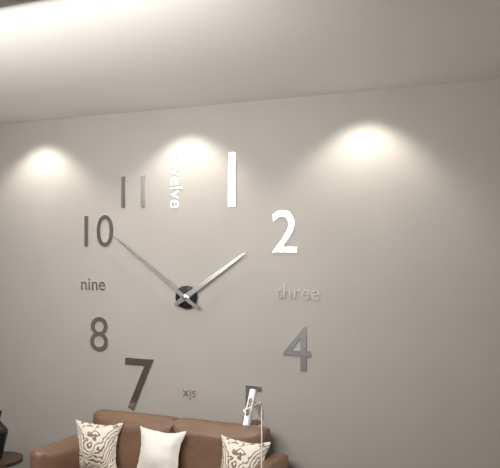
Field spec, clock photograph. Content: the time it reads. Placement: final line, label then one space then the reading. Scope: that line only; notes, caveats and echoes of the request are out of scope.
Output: 1:51
